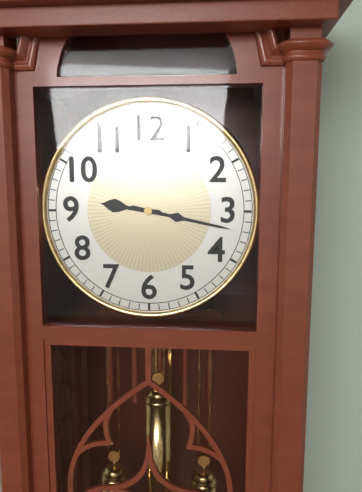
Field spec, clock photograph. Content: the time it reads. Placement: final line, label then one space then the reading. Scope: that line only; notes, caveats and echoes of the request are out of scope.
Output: 9:17
